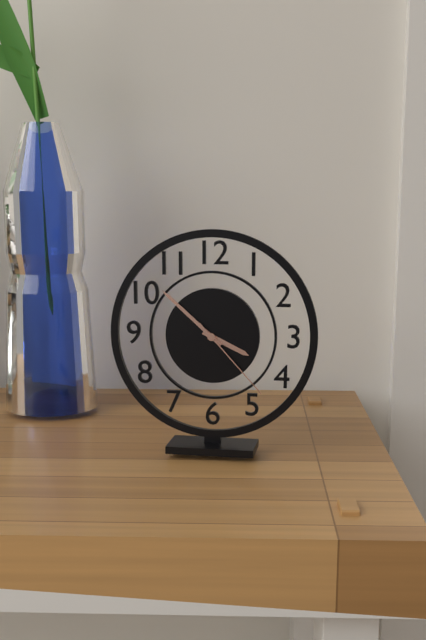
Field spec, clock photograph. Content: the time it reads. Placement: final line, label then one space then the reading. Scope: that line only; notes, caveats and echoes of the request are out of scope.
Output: 3:52:23
